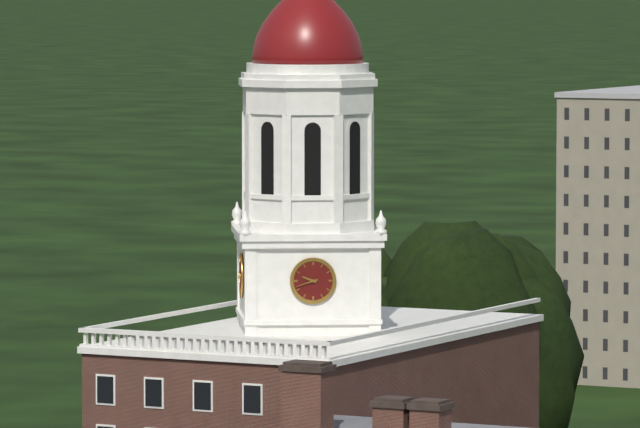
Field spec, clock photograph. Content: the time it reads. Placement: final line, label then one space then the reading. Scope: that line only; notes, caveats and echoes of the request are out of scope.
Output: 9:42
